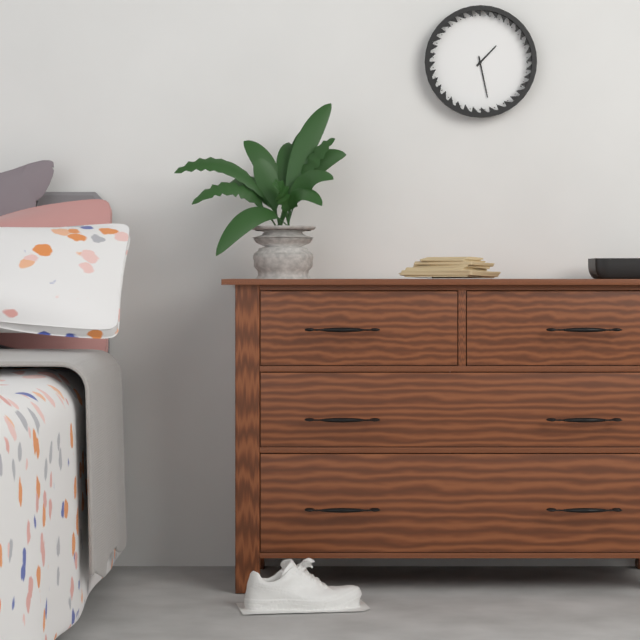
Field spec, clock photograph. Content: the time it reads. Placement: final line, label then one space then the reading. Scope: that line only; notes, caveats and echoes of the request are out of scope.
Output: 1:28
